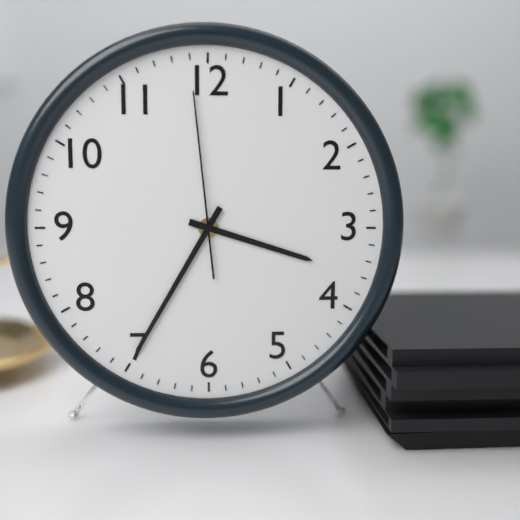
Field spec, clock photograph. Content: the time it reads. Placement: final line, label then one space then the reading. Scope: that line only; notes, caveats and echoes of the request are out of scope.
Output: 3:35:59
